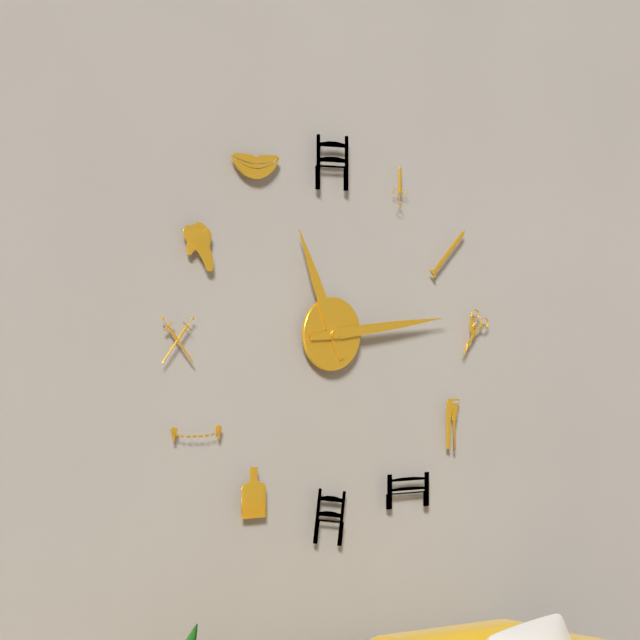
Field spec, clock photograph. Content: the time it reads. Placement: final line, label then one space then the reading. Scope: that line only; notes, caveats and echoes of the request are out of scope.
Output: 11:14
